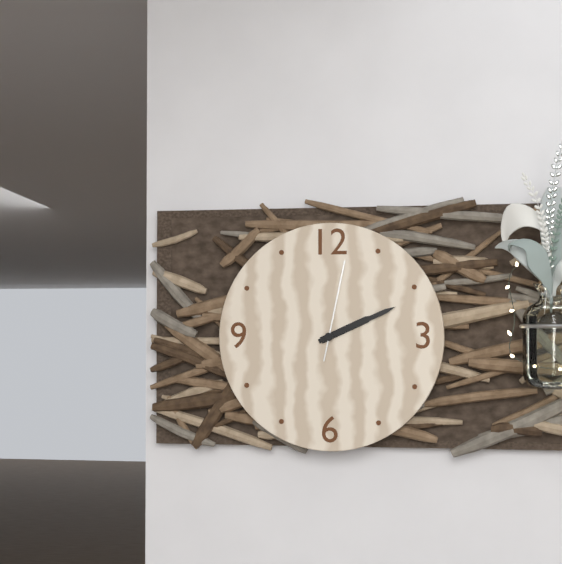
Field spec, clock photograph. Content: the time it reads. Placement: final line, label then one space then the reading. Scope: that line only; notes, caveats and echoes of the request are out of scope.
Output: 2:11:02
